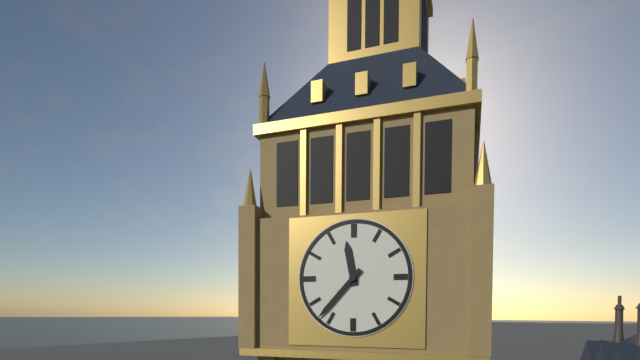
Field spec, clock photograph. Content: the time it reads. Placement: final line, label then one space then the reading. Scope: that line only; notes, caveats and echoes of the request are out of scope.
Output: 11:37
